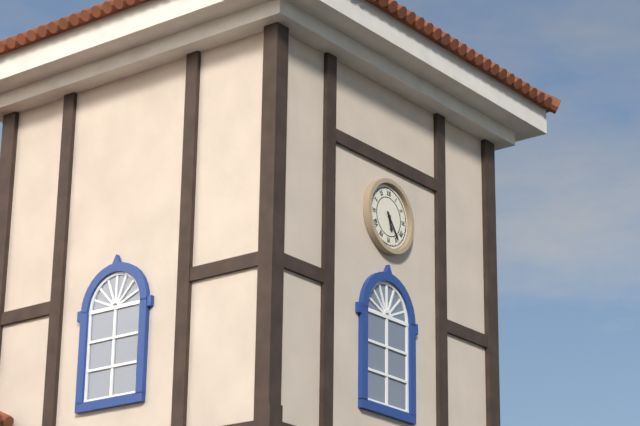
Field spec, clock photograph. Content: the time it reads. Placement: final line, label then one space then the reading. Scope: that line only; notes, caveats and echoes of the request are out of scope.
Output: 5:24
